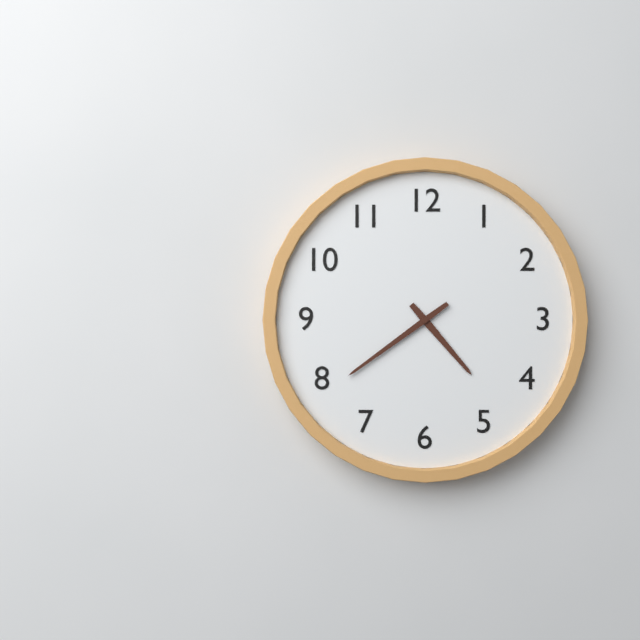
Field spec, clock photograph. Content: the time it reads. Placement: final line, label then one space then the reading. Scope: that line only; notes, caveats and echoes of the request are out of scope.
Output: 4:39
